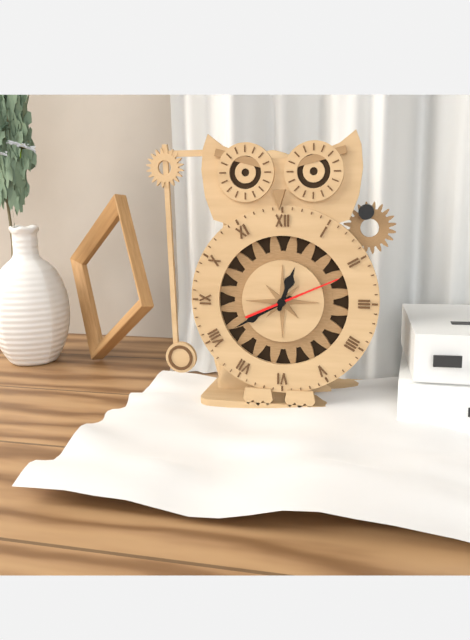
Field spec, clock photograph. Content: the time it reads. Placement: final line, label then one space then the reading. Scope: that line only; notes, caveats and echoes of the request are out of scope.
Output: 12:40:11
